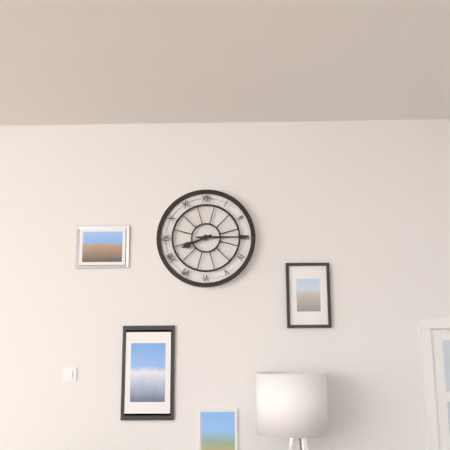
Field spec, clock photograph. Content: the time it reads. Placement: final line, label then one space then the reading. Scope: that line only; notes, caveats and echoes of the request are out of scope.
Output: 8:15
